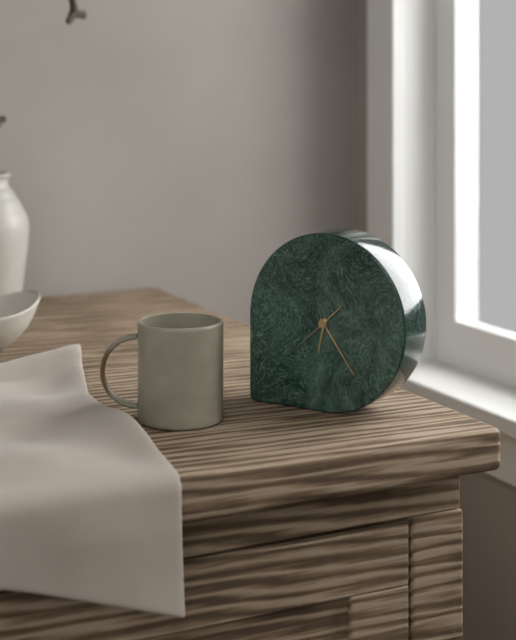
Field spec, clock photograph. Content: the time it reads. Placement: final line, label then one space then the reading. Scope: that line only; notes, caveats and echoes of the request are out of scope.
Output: 6:24:38
